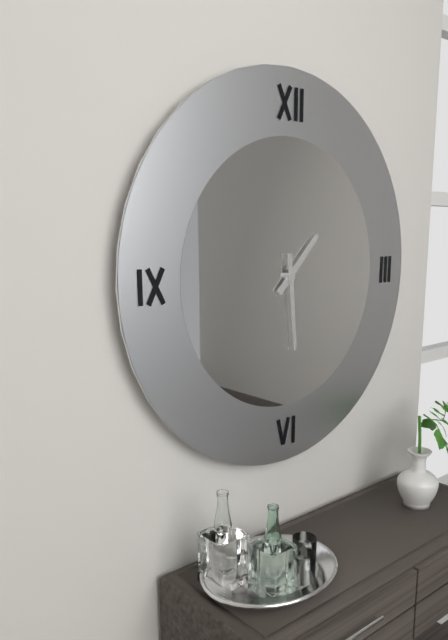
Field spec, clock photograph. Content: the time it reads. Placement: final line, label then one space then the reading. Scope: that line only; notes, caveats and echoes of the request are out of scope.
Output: 1:29
